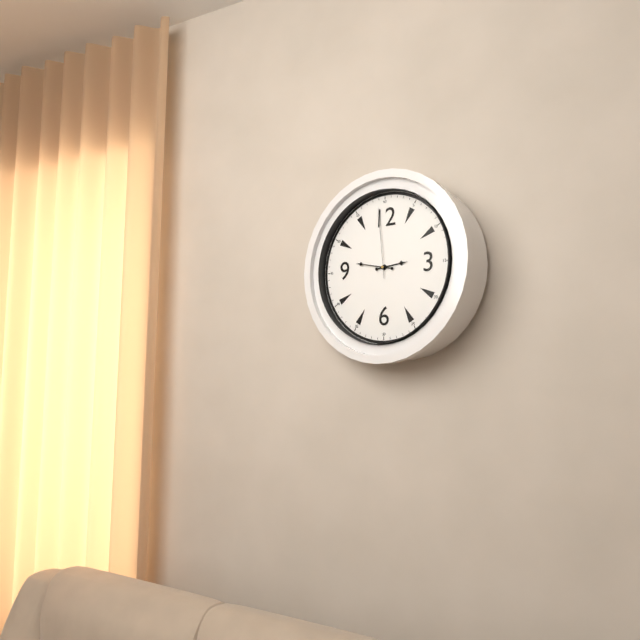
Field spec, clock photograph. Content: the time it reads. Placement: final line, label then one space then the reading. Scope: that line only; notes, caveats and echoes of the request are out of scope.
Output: 2:47:59
